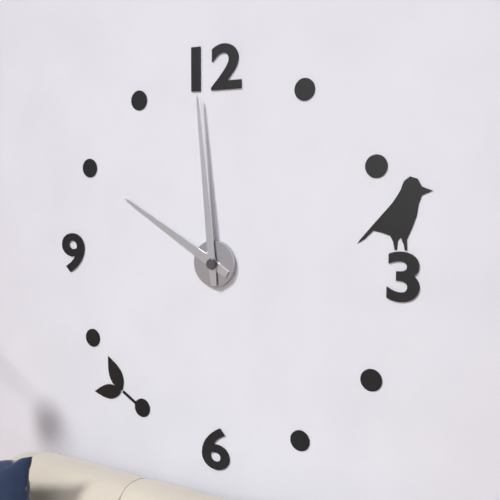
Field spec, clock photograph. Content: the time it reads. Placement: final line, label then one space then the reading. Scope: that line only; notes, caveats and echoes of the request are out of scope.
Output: 9:59
